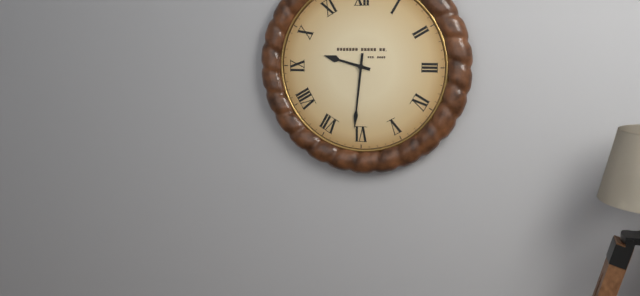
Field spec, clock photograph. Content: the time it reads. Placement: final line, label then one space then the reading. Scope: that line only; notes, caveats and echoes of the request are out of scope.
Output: 9:31
